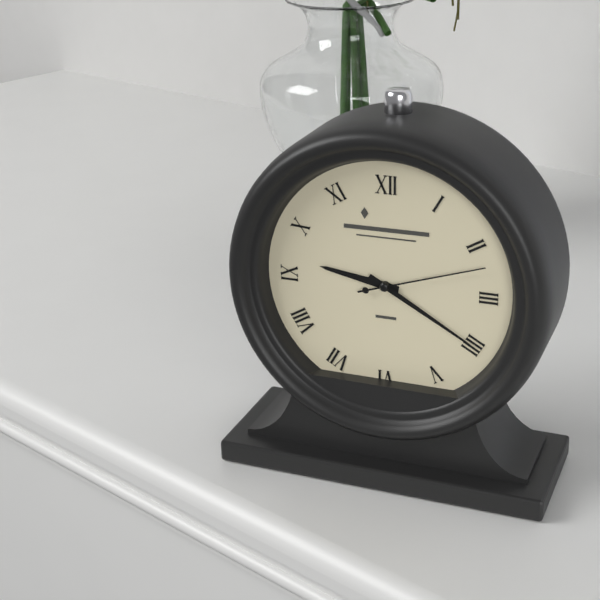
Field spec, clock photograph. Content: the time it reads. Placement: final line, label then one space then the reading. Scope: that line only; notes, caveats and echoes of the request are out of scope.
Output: 9:20:12
